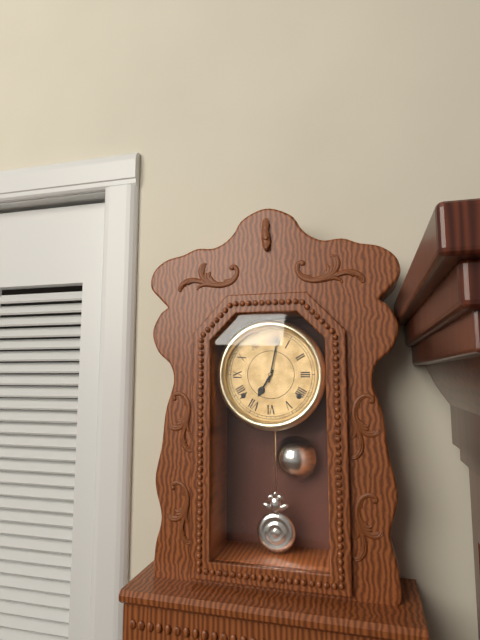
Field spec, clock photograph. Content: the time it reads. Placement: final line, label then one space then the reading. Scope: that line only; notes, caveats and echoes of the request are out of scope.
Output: 7:02
